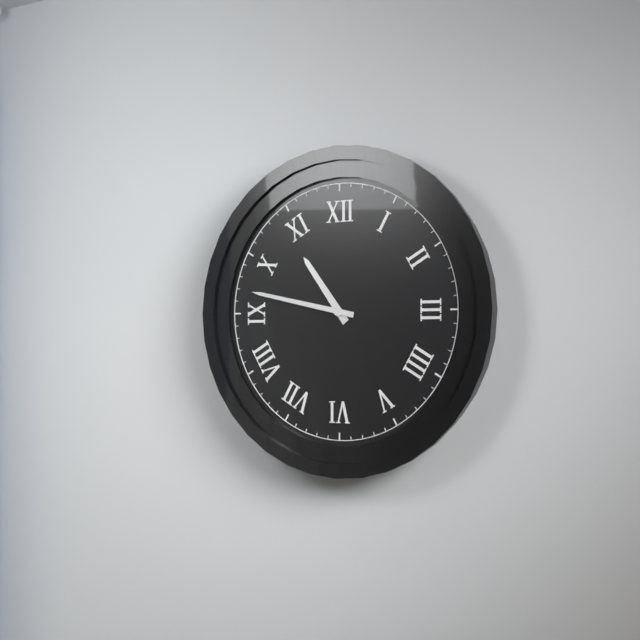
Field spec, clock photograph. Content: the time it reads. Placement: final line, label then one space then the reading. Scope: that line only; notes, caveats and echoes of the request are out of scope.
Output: 10:47
